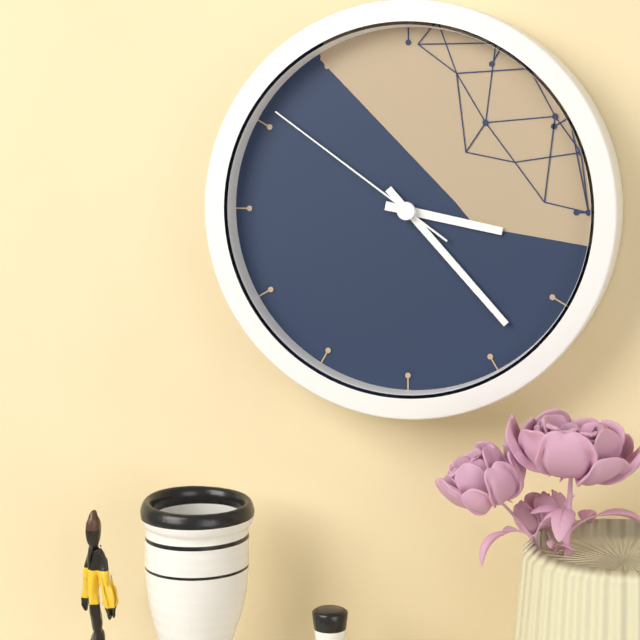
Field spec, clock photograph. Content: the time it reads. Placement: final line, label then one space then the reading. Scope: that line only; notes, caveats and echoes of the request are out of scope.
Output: 3:23:51
